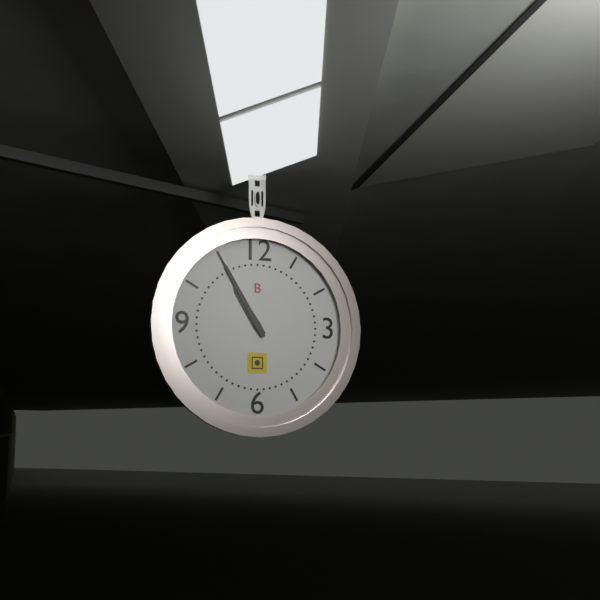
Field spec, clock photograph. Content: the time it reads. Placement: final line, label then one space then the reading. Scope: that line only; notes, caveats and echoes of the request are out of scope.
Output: 10:55
